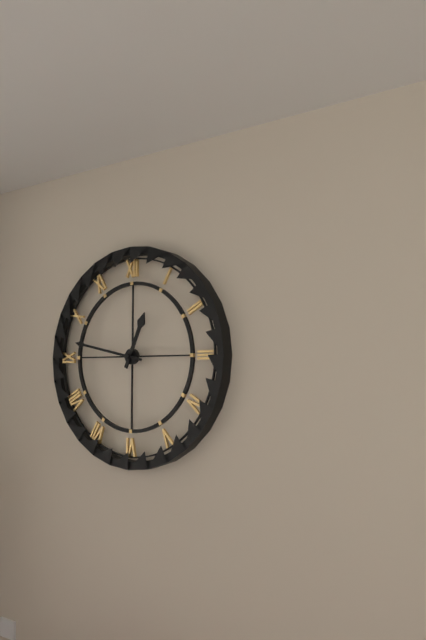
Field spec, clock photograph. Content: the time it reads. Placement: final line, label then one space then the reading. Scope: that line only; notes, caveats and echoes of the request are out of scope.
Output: 12:47
